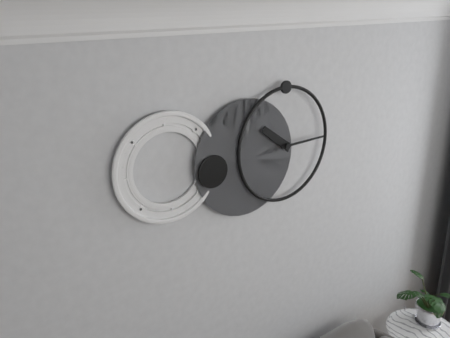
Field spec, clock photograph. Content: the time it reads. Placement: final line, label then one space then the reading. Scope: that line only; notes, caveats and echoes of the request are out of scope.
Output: 10:15
